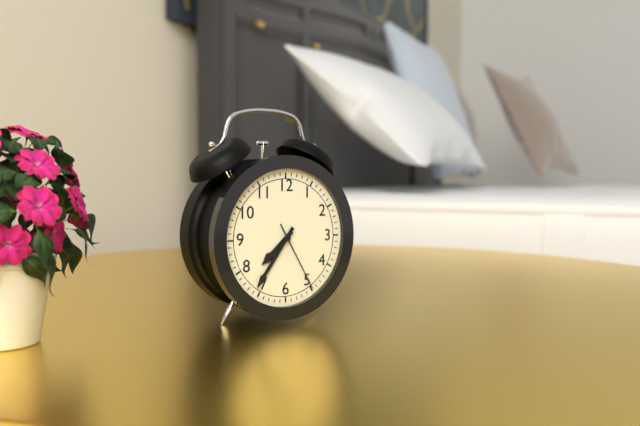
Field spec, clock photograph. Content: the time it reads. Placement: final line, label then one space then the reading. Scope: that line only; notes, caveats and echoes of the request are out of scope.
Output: 7:36:25
